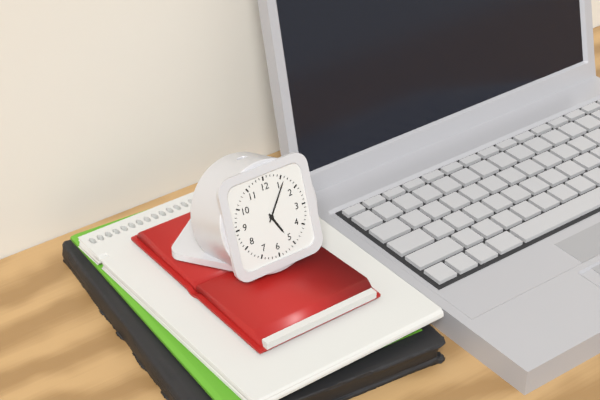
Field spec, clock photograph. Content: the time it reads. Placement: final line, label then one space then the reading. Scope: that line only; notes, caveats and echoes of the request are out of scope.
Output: 5:06
